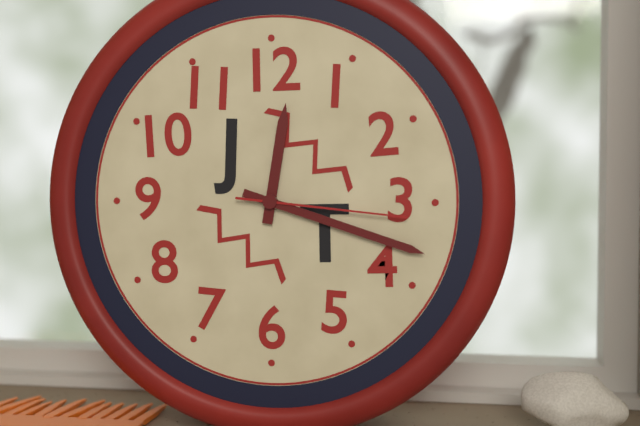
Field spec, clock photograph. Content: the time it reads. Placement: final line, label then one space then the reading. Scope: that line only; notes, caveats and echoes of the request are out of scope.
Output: 12:18:16
